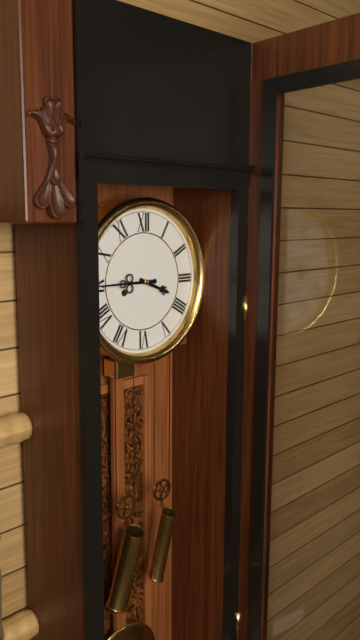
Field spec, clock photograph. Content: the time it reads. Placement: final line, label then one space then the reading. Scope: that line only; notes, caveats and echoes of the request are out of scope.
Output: 3:45
